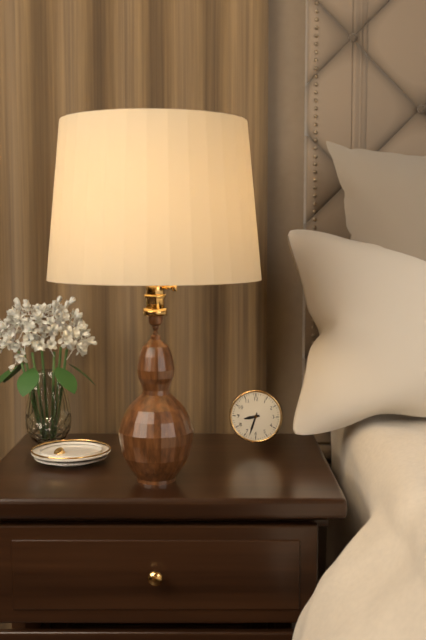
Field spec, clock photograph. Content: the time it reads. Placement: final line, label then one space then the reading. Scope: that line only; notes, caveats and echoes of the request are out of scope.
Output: 8:33
